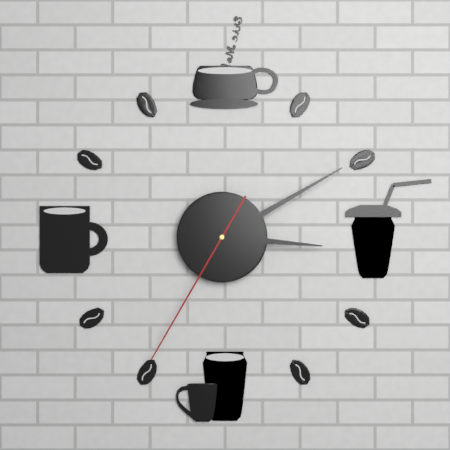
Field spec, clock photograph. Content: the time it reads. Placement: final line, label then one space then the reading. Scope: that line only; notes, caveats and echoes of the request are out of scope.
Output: 3:10:35
